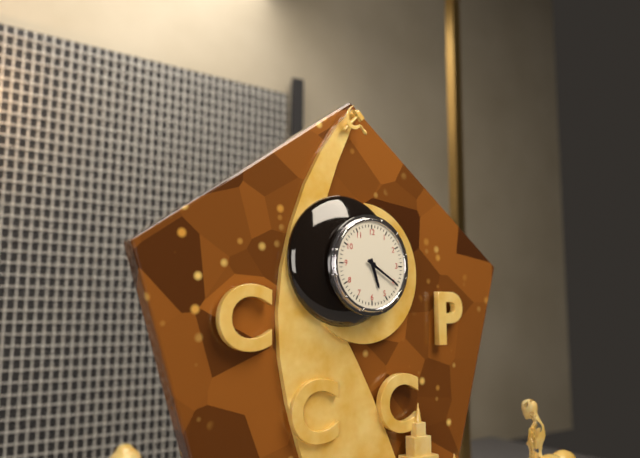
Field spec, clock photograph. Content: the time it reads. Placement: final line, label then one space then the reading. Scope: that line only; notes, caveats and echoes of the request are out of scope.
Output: 5:20
